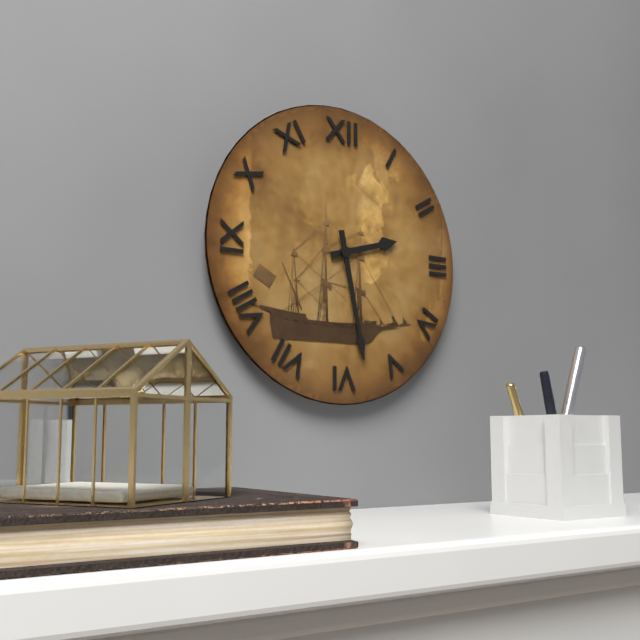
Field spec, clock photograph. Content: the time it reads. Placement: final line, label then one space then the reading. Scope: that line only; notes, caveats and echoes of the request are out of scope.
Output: 2:28
